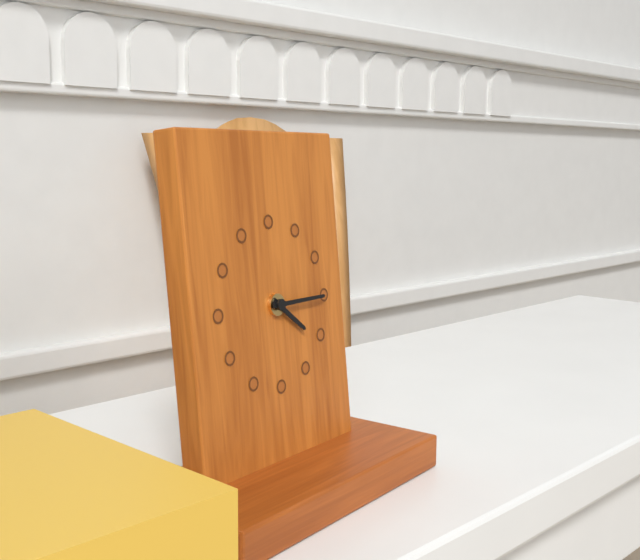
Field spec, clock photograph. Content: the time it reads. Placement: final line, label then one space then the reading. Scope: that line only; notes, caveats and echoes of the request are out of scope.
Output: 4:15
